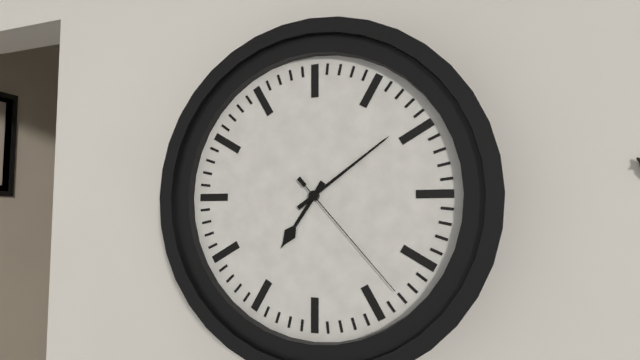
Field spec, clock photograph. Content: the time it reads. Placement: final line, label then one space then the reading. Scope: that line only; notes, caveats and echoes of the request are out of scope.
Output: 7:09:23
